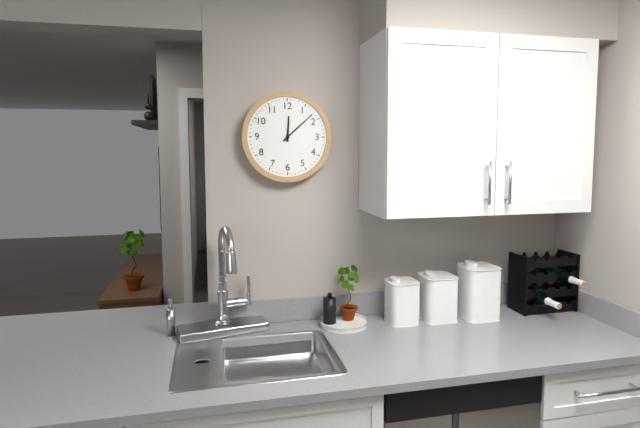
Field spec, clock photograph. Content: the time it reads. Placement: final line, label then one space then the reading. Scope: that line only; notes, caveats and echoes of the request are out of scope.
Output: 12:08
